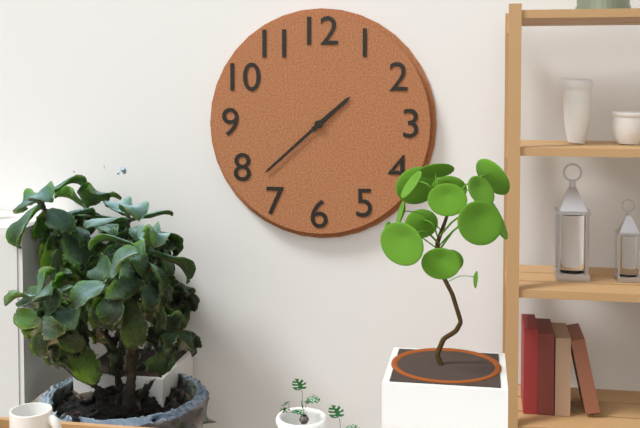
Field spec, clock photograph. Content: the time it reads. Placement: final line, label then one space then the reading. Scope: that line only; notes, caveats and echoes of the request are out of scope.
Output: 1:38
